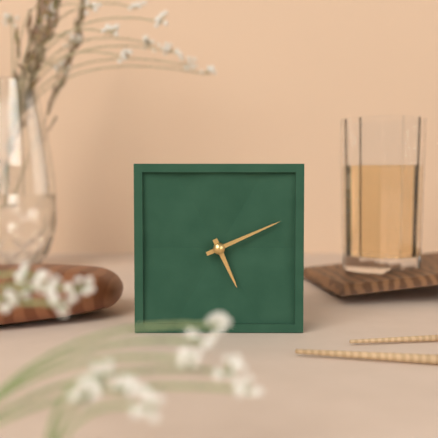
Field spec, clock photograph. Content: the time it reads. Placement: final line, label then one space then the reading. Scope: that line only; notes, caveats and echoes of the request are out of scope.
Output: 5:11
